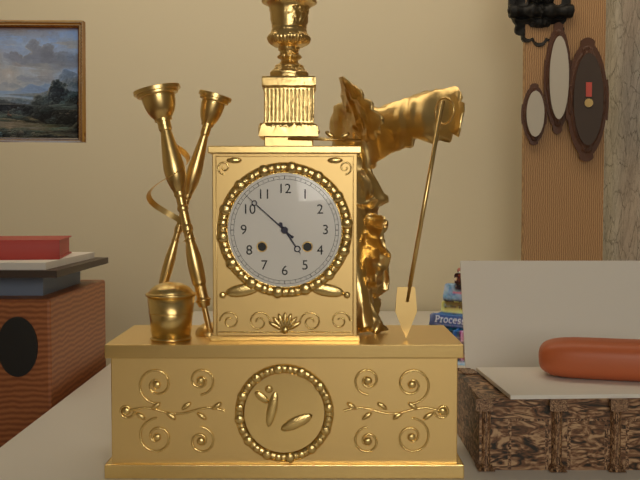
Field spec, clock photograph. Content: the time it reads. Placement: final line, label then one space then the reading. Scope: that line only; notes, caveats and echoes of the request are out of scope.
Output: 4:52
